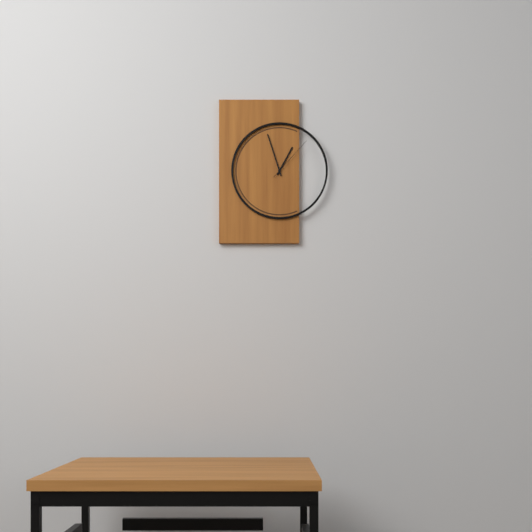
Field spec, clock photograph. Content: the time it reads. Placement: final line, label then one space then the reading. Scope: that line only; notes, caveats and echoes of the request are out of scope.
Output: 12:57:07
